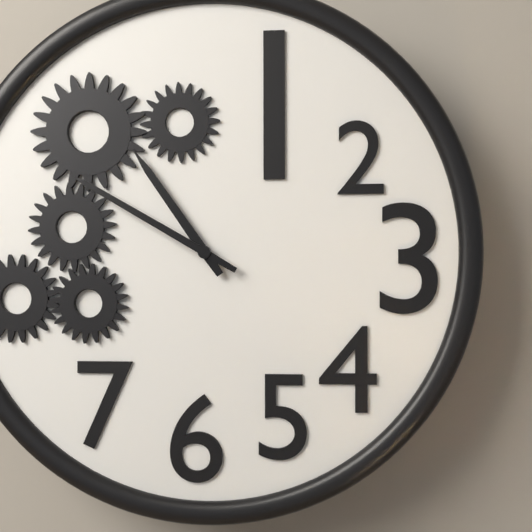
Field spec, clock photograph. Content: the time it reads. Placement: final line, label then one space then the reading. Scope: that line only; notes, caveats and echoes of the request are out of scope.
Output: 10:50
